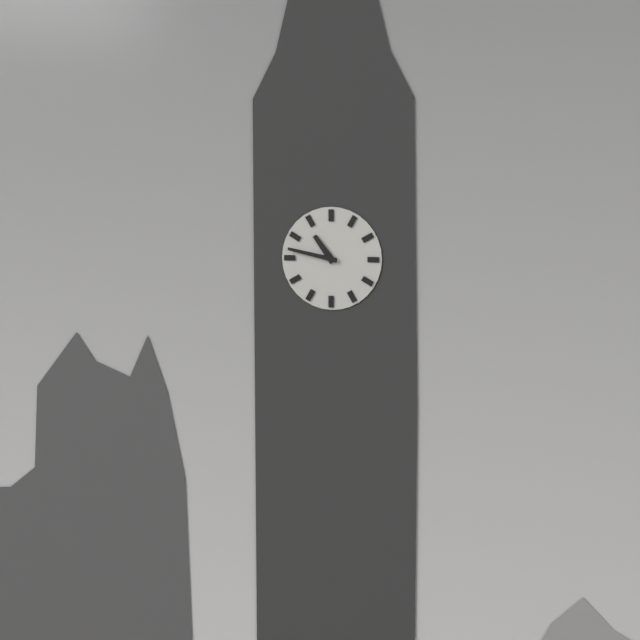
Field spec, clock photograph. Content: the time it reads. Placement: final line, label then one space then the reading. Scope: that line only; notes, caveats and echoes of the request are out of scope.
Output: 10:47
